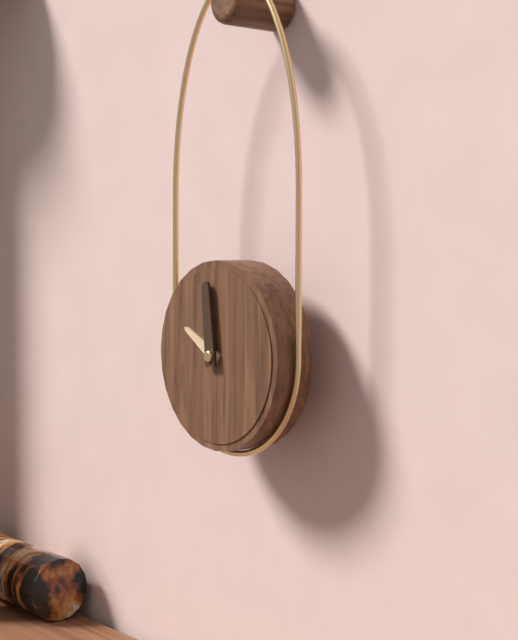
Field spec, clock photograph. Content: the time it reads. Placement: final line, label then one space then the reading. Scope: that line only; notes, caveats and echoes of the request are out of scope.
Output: 9:59
